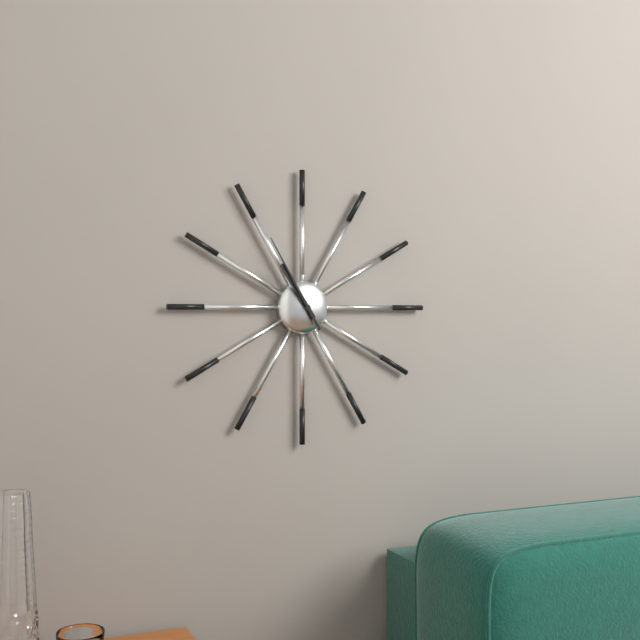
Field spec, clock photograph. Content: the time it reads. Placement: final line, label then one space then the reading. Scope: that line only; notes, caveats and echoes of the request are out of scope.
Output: 10:55
